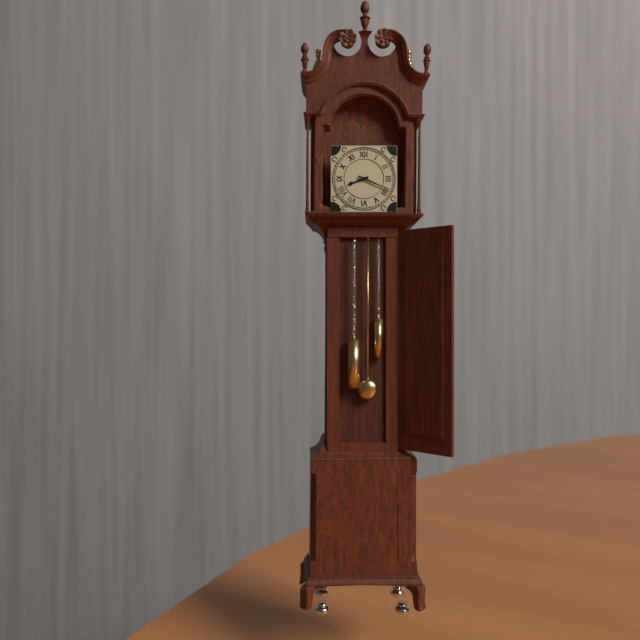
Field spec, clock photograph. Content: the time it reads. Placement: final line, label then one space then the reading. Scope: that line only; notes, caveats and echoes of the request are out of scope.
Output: 8:19
